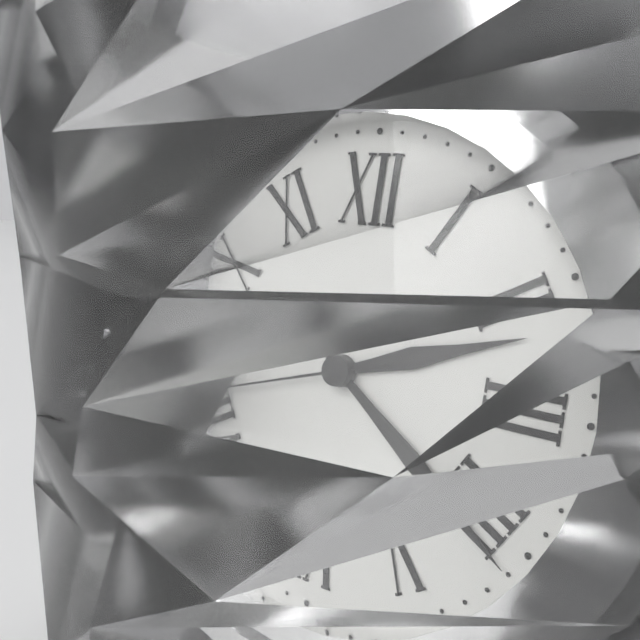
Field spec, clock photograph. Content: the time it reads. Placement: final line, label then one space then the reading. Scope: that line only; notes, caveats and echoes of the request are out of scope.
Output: 2:21:42
